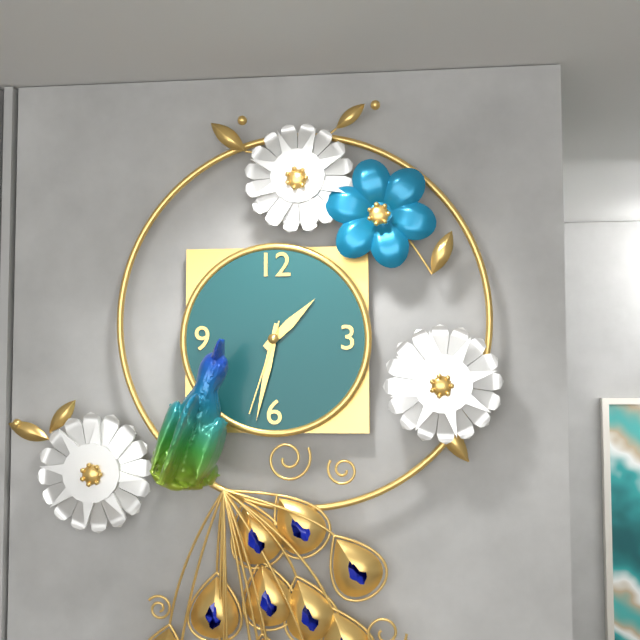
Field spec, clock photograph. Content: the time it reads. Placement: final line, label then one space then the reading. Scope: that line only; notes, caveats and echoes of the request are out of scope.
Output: 1:32:33
